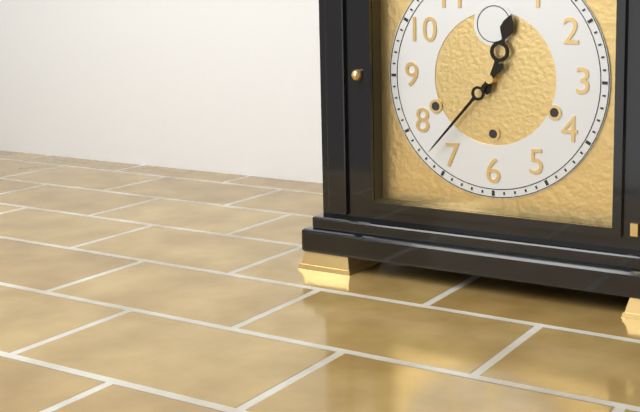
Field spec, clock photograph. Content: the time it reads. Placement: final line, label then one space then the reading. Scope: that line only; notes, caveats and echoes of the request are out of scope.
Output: 12:37
